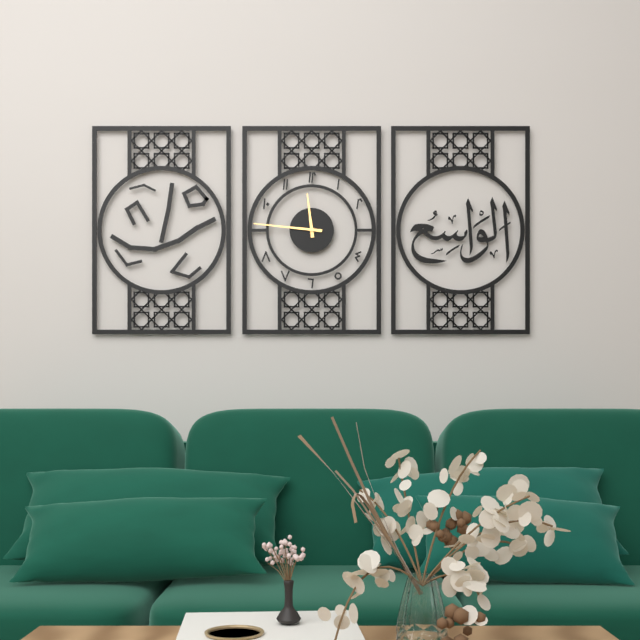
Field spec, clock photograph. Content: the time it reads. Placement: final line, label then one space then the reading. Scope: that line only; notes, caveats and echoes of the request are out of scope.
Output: 11:46
